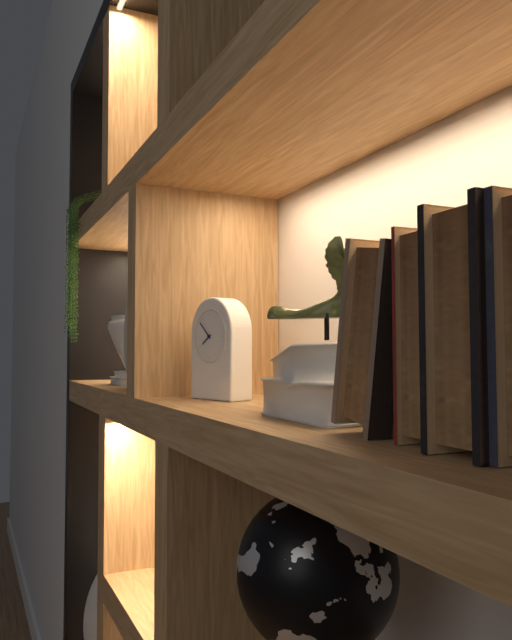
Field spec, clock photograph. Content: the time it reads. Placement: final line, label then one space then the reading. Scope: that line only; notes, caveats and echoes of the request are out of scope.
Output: 7:52
